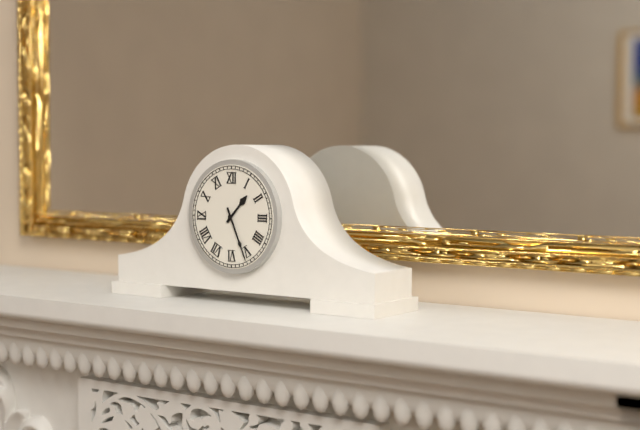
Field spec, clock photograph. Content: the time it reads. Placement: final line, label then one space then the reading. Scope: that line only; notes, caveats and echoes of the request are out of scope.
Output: 1:26
